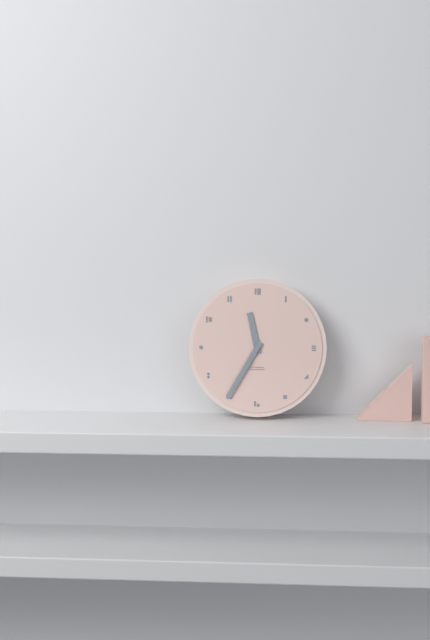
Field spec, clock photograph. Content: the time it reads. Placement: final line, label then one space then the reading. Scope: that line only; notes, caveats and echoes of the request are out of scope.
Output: 11:35
